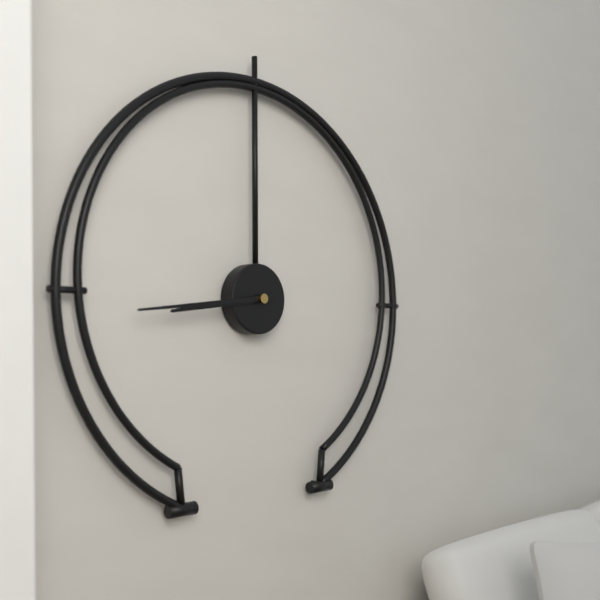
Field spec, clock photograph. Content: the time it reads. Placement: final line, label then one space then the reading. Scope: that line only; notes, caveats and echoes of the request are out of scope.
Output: 8:44
